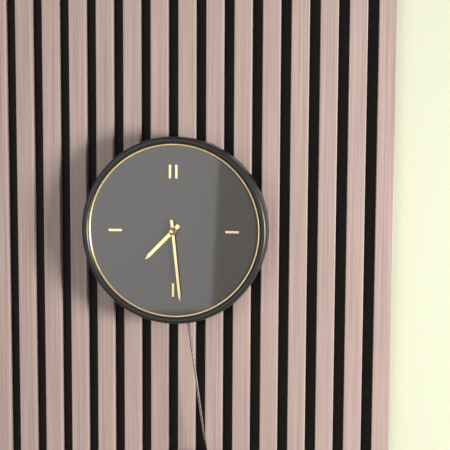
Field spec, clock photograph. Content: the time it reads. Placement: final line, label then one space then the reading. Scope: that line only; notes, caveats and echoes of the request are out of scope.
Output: 7:29
